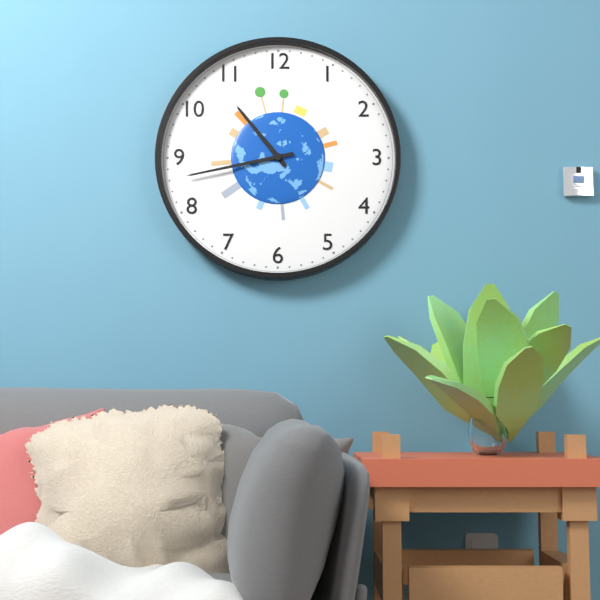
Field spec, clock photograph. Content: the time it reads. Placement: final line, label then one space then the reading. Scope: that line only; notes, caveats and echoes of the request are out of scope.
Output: 10:43
